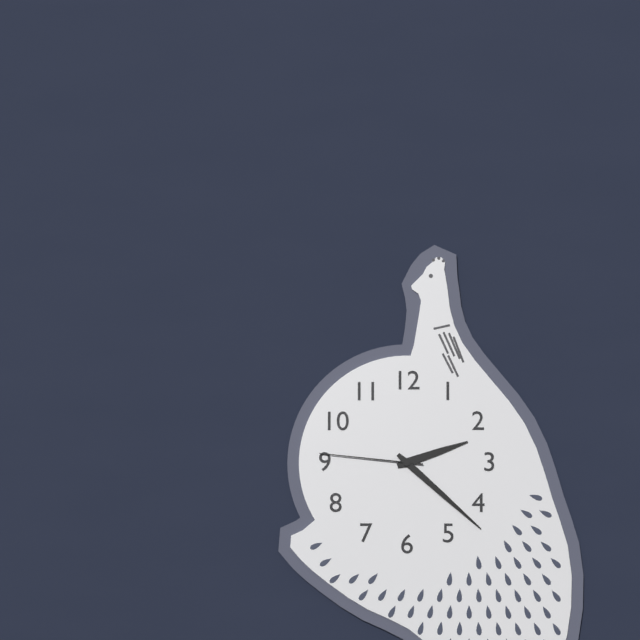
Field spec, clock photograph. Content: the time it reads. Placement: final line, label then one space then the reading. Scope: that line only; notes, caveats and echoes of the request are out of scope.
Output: 2:22:46
